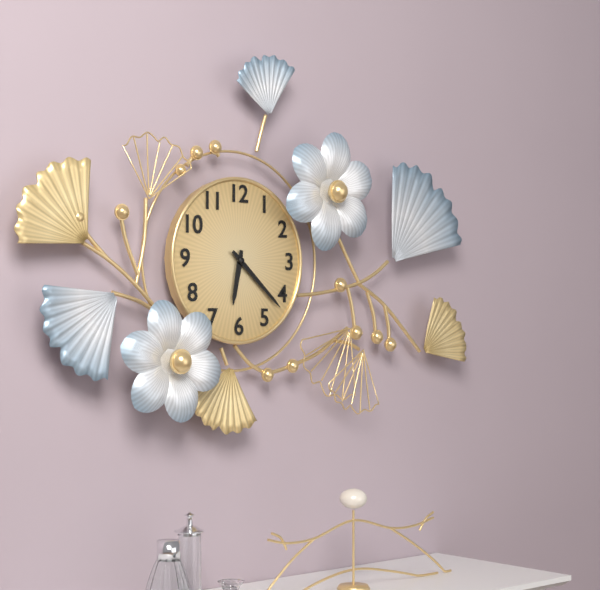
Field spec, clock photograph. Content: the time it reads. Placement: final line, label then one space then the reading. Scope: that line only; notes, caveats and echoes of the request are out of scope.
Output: 6:22
